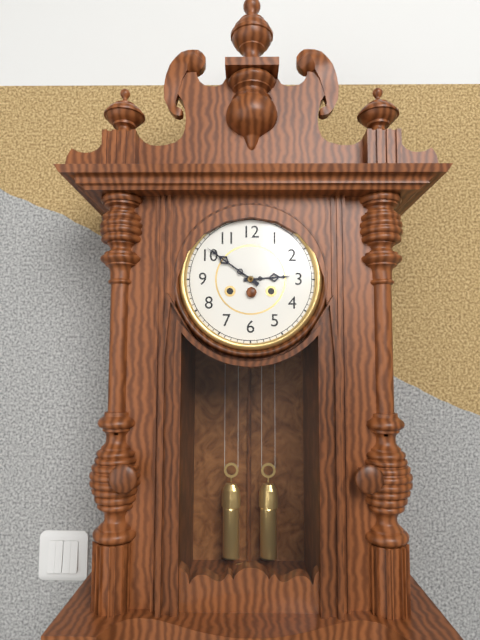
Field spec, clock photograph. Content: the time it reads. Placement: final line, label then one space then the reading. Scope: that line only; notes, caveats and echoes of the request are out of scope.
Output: 2:51
